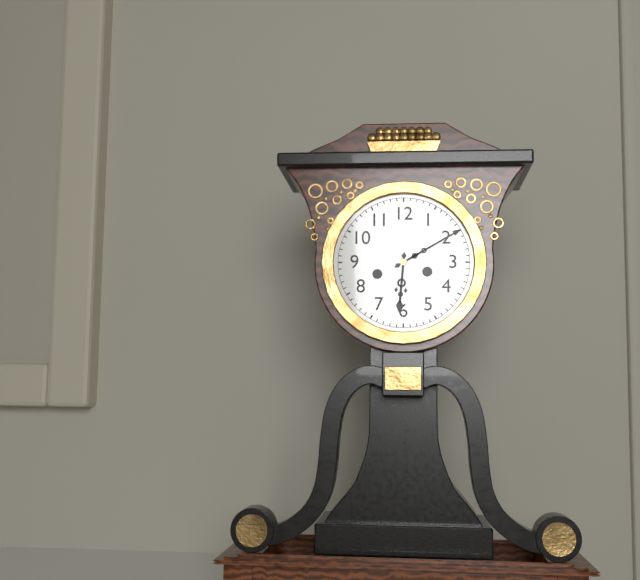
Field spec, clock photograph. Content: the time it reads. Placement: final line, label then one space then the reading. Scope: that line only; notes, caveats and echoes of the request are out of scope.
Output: 6:10
